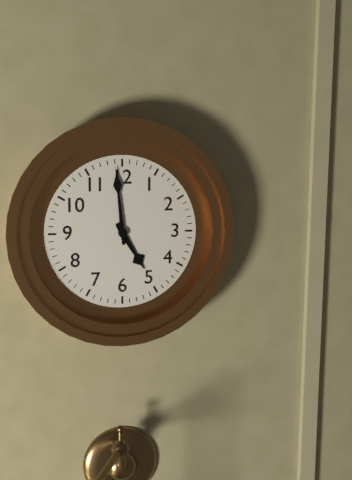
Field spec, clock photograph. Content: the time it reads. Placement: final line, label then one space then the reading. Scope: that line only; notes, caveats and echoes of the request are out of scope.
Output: 4:59
